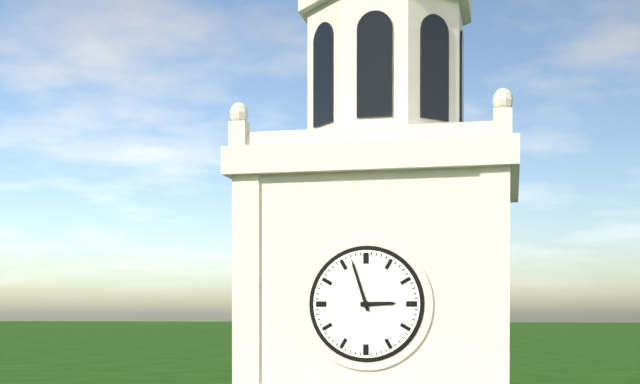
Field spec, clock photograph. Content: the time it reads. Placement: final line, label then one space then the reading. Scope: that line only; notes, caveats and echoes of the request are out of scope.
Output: 2:57
